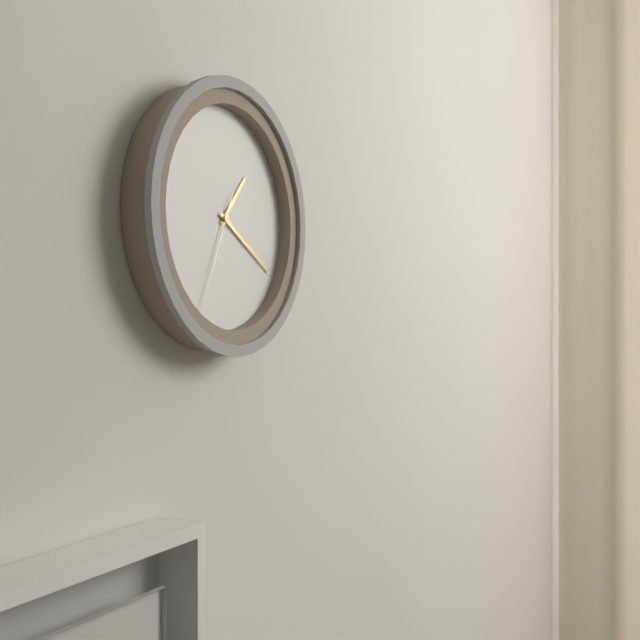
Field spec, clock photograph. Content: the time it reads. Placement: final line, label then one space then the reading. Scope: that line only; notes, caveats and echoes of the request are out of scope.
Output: 1:20:34
